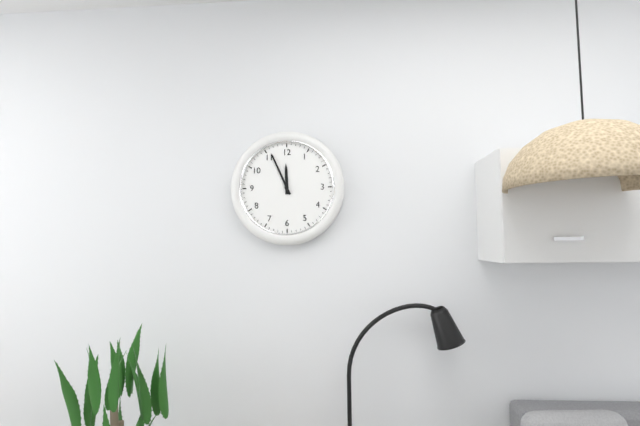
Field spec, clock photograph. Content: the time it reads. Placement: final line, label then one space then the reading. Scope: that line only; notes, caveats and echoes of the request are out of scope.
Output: 11:56
